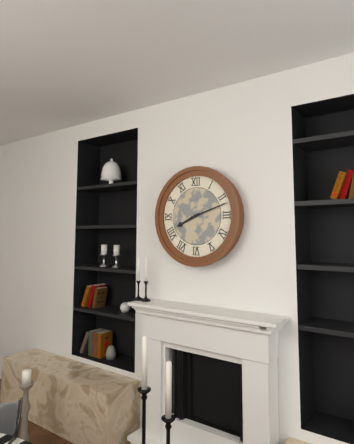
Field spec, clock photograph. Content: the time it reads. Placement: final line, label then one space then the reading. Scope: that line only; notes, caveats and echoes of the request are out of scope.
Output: 8:12
